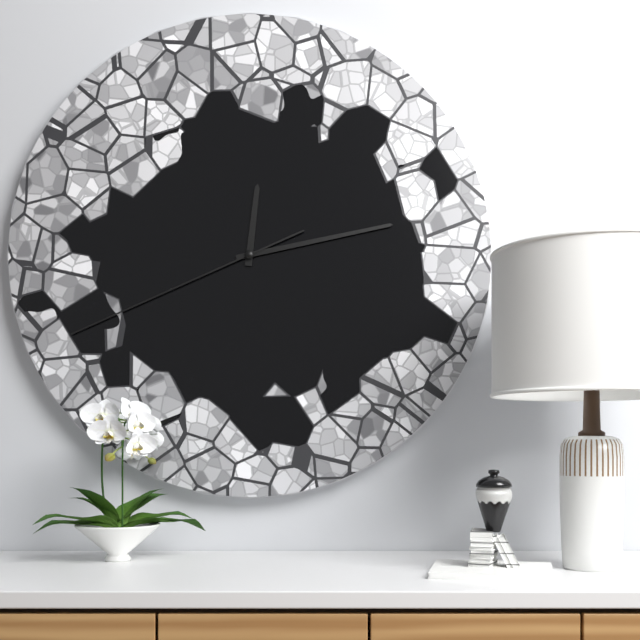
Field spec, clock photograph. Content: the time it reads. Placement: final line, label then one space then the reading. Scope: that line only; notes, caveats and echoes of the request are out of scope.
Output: 12:13:41
